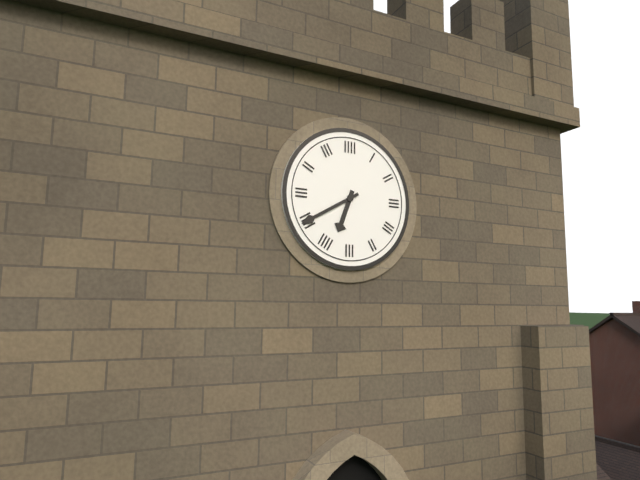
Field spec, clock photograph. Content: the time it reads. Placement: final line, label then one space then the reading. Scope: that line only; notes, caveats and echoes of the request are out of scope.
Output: 6:40
